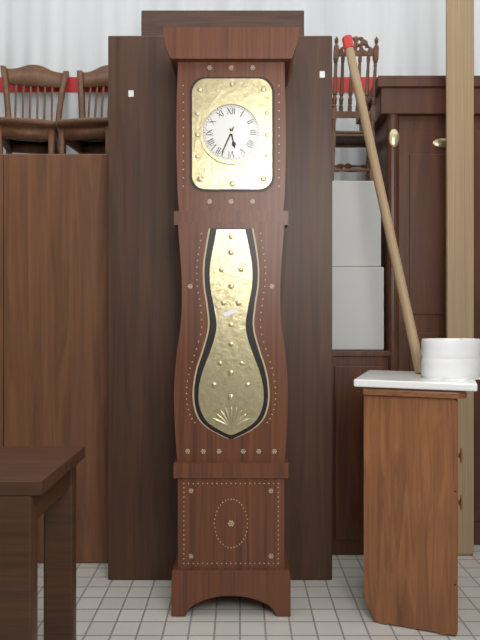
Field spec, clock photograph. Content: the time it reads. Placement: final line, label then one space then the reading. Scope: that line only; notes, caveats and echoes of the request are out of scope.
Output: 5:34
